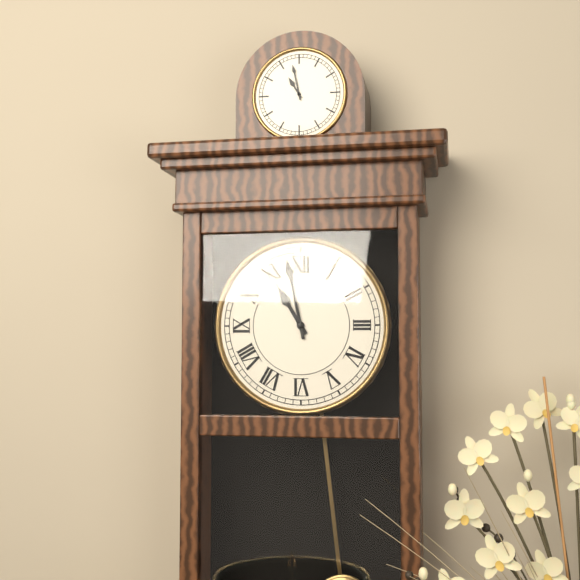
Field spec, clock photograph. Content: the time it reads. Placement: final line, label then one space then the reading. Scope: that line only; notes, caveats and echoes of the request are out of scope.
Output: 10:58
